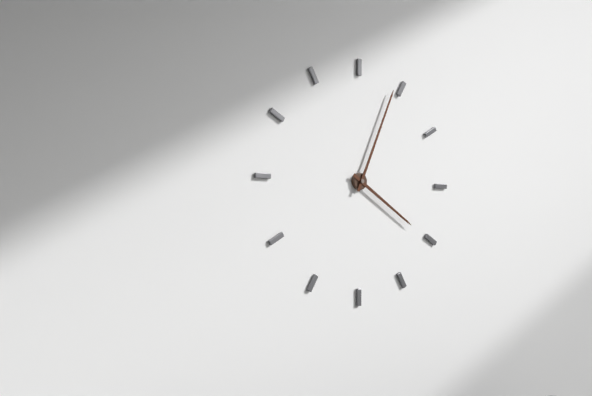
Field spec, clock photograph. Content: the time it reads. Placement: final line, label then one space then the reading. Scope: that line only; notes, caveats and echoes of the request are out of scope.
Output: 4:04
